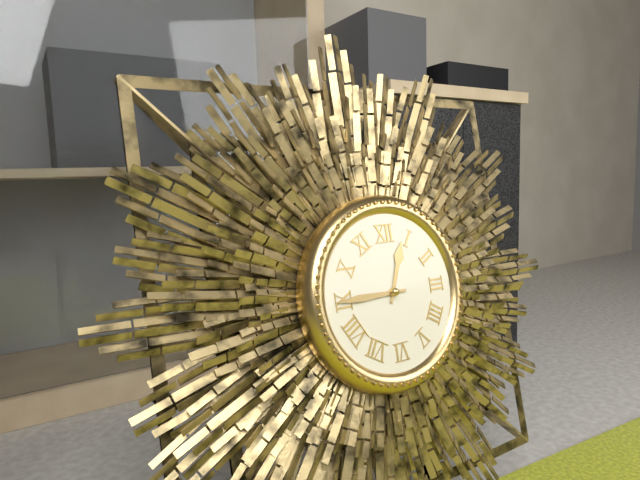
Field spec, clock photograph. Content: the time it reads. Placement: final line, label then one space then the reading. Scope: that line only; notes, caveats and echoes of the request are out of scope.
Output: 12:45
